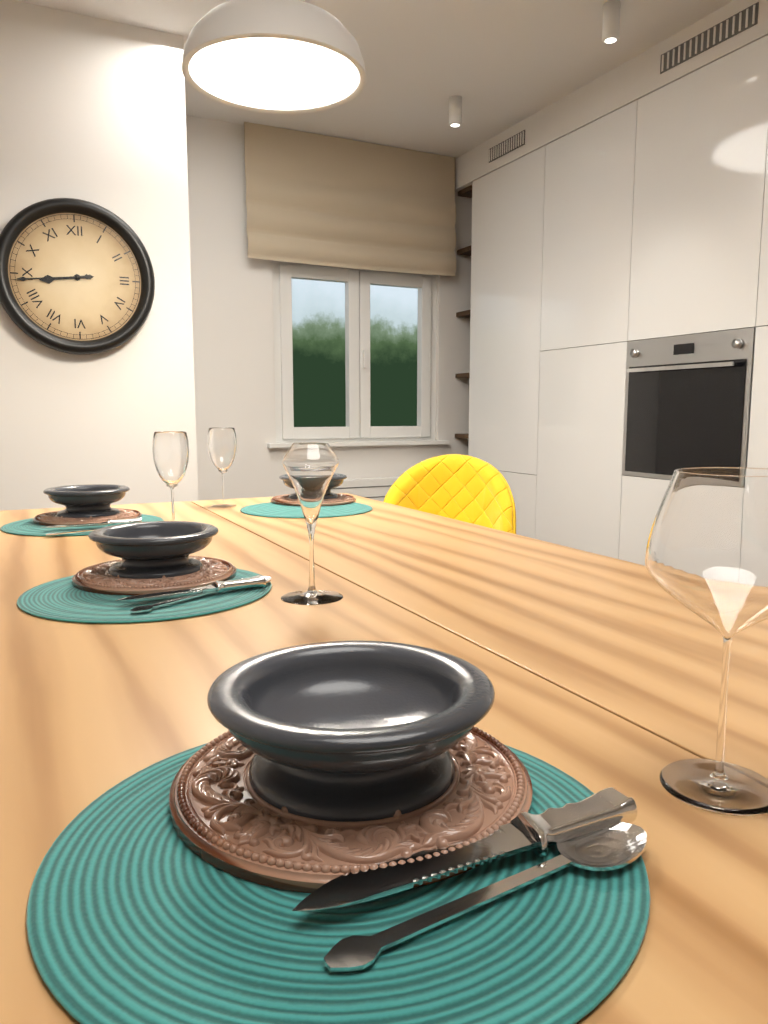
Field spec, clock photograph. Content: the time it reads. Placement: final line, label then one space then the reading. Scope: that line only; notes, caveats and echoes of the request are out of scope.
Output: 8:44
